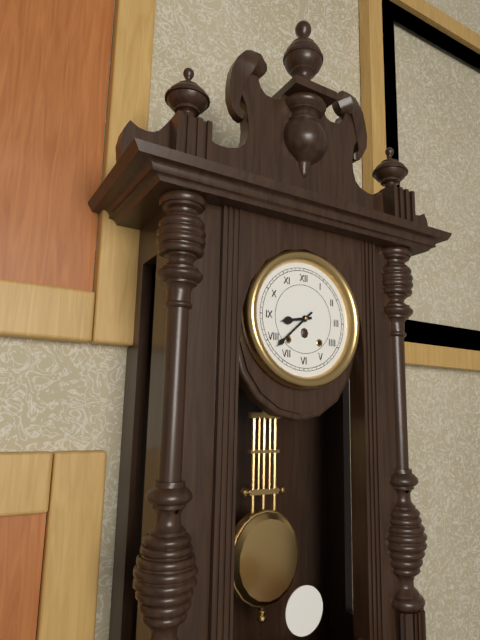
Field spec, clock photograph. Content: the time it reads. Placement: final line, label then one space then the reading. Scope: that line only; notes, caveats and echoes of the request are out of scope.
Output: 8:38
